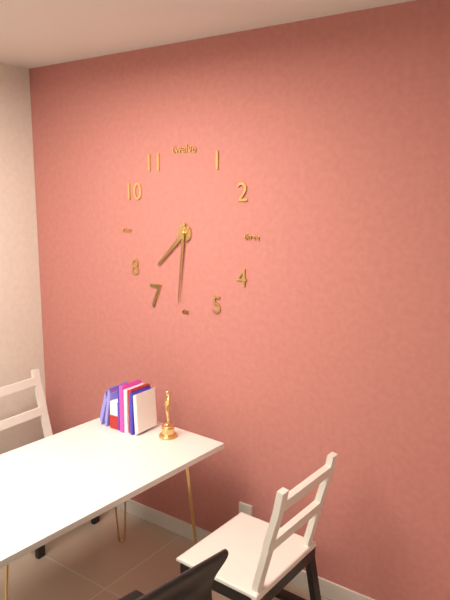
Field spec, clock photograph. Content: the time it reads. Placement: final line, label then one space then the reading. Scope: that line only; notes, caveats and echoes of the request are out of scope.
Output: 7:31
